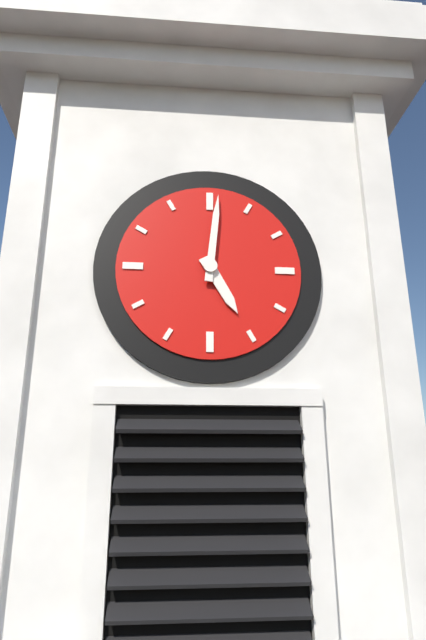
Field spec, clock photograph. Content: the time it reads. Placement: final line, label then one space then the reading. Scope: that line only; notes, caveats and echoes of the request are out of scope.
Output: 5:01
